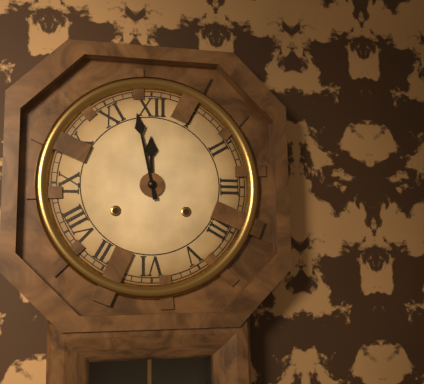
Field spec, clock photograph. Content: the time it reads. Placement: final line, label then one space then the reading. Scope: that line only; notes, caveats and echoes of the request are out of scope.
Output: 11:58
